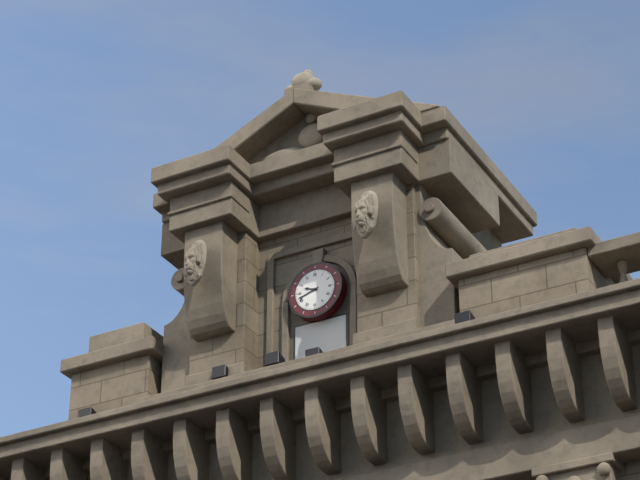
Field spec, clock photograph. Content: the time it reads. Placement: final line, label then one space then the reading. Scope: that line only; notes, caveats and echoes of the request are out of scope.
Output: 9:42
